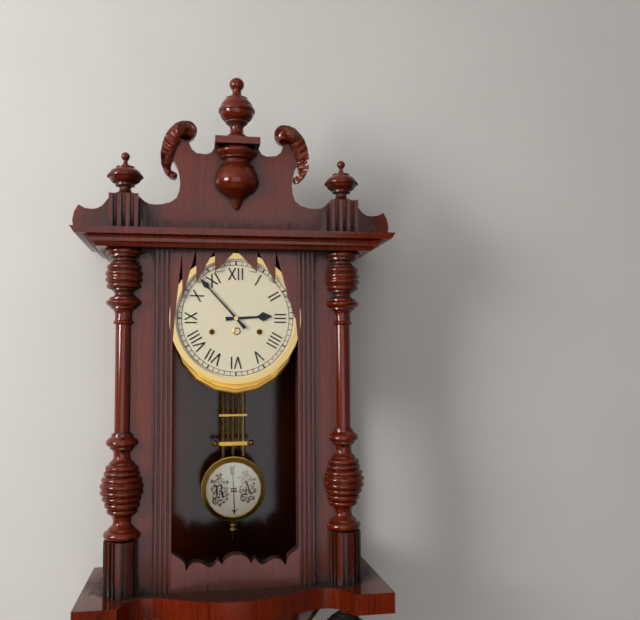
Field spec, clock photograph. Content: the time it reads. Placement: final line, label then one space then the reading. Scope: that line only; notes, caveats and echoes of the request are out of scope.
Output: 2:53
